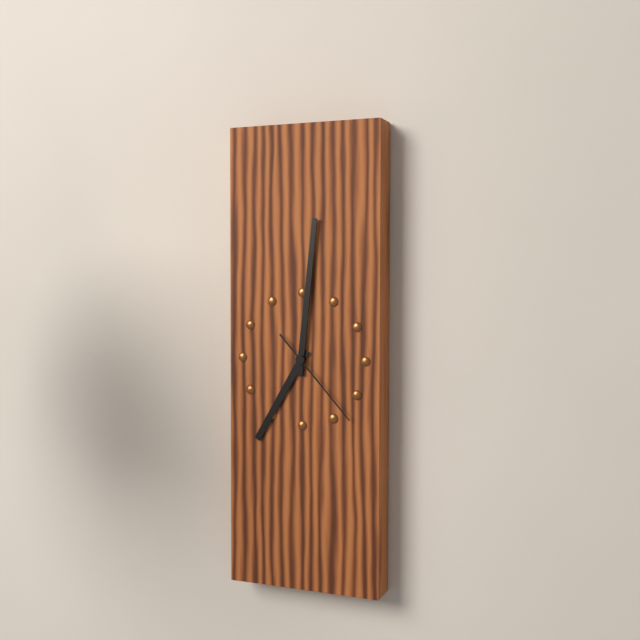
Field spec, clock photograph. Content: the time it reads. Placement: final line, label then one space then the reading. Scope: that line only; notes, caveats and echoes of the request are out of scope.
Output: 7:01:23
